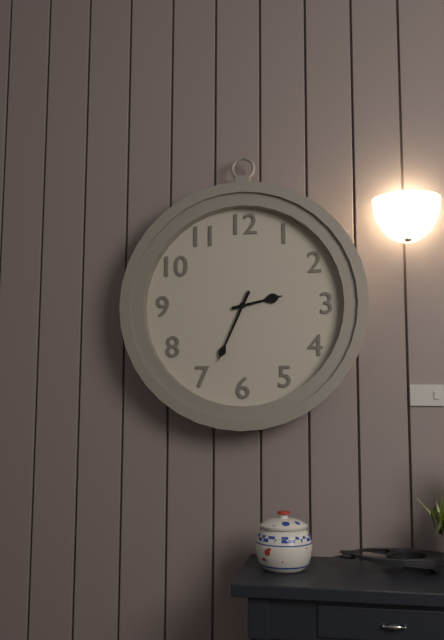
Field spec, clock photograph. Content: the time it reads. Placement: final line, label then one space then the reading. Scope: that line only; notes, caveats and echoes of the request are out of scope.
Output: 2:34
